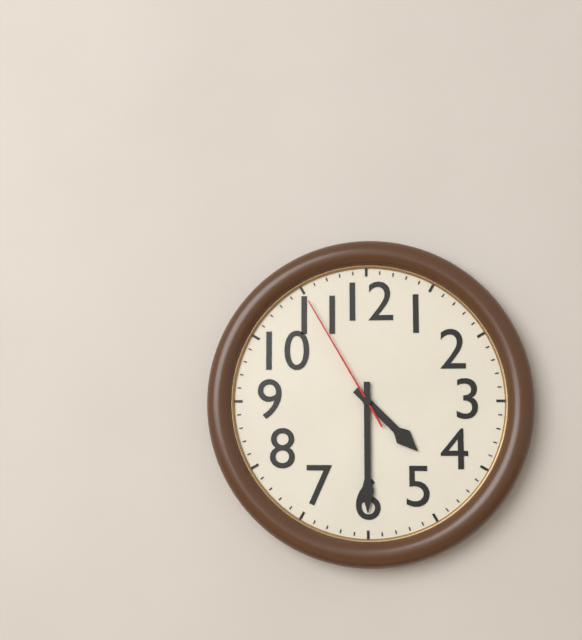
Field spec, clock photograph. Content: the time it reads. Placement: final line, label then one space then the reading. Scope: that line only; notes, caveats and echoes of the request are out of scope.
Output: 4:30:55
